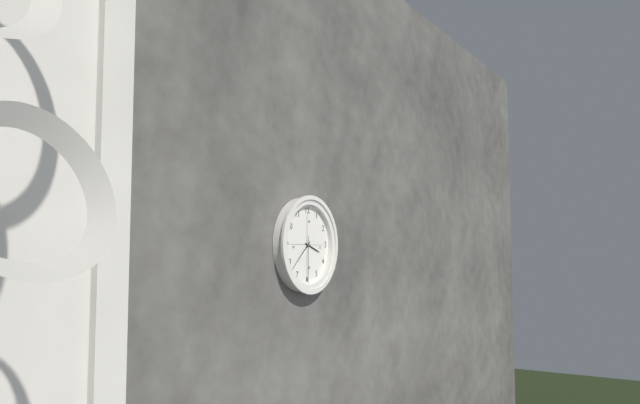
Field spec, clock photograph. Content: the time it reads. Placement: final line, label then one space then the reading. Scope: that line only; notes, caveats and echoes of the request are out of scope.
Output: 3:38
